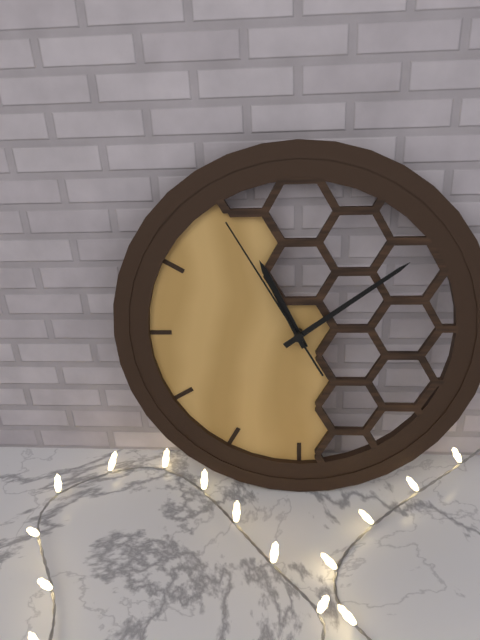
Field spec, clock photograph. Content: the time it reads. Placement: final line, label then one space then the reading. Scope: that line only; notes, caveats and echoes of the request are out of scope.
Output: 11:09:55
